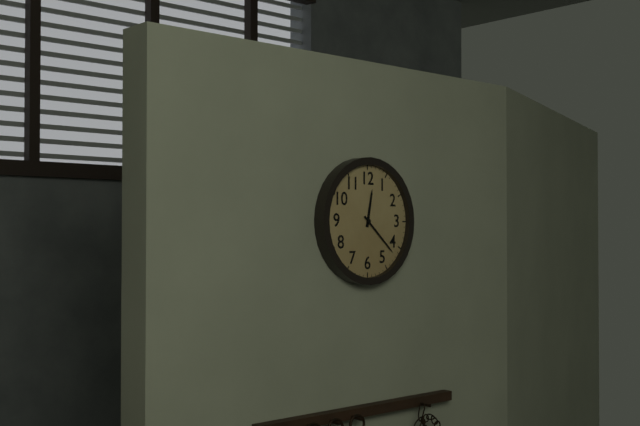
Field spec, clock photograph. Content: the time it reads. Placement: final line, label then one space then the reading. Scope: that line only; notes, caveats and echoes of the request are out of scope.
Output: 12:22
